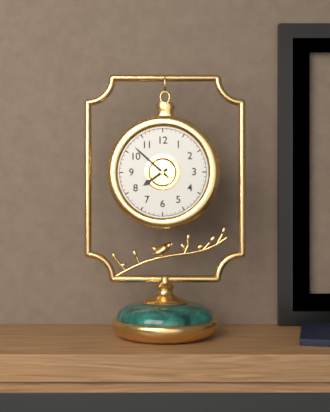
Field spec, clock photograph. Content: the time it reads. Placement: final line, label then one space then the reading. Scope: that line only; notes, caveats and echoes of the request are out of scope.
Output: 7:52
